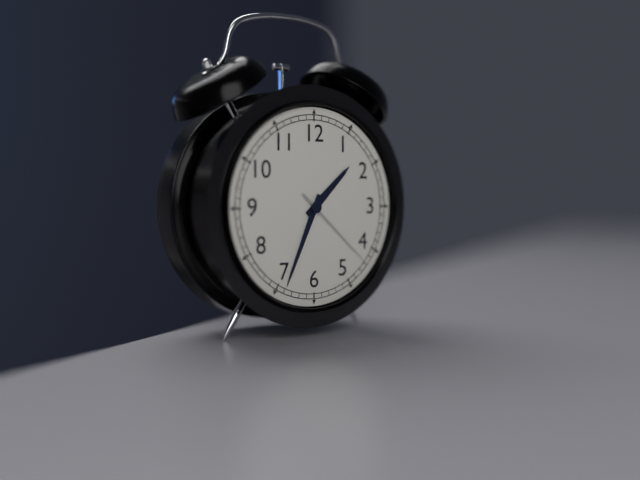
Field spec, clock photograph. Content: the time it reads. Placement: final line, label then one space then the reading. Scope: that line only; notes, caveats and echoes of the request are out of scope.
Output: 1:34:22
